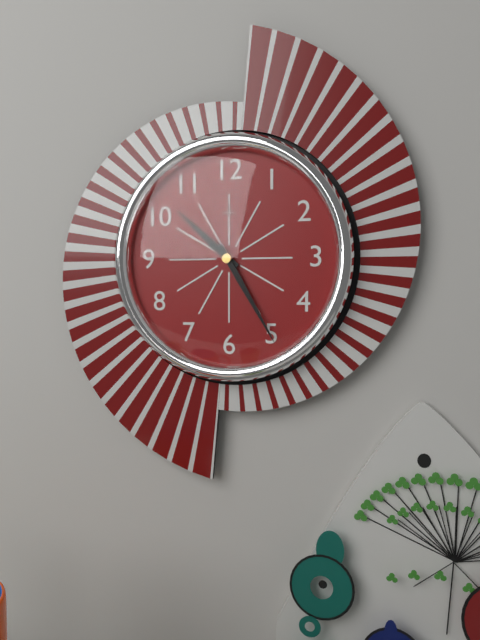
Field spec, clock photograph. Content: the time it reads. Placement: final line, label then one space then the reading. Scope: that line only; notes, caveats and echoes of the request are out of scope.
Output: 10:25
